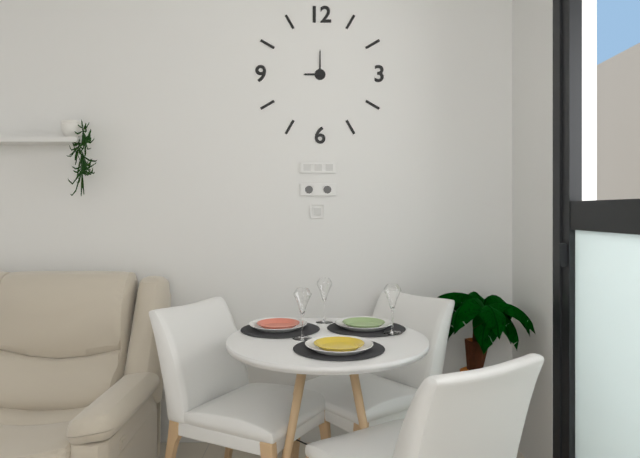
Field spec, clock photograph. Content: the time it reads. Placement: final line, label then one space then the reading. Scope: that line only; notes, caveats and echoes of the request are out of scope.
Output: 9:00
